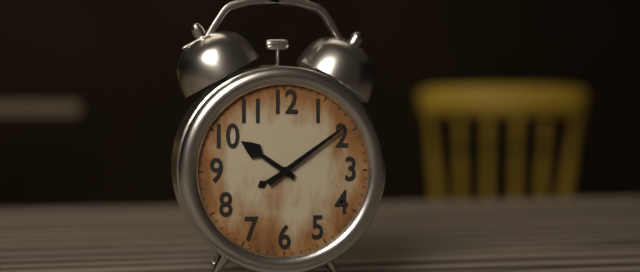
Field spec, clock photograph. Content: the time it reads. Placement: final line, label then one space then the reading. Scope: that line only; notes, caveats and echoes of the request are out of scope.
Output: 10:09
